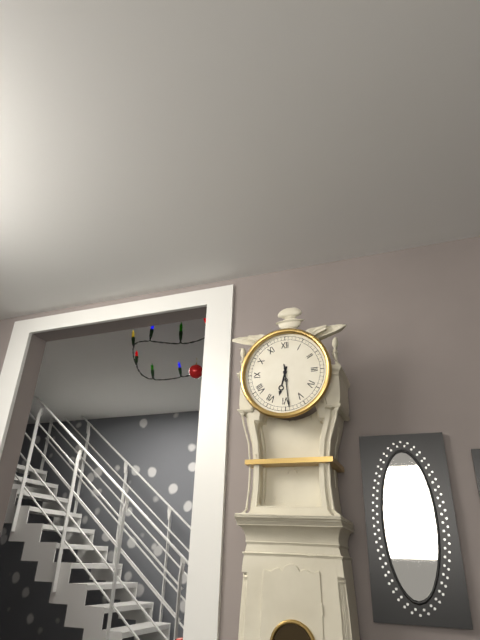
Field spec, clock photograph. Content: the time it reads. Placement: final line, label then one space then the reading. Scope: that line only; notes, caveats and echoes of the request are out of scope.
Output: 6:29
